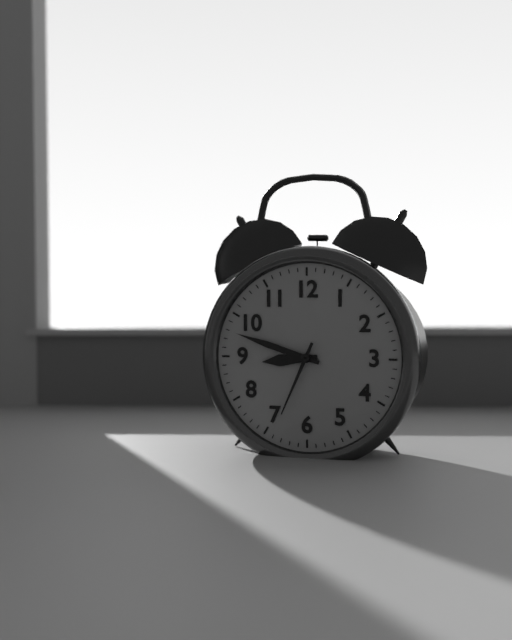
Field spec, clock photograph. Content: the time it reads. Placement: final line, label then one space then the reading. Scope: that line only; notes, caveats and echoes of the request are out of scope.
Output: 8:48:34
